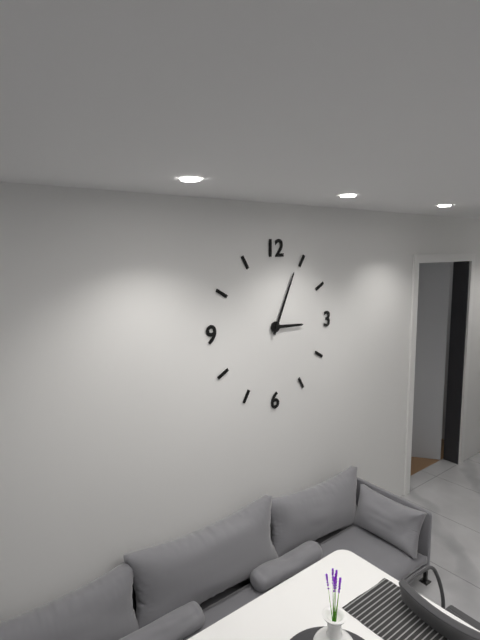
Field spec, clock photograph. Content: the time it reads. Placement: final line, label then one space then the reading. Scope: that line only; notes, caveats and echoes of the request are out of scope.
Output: 3:04
